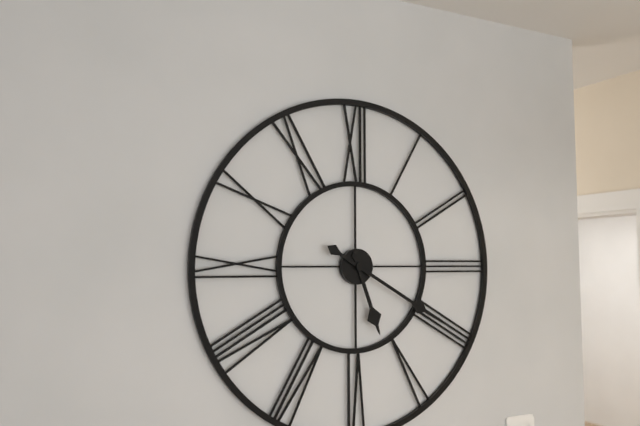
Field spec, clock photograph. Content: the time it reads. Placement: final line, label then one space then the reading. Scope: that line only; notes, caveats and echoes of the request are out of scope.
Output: 5:20
